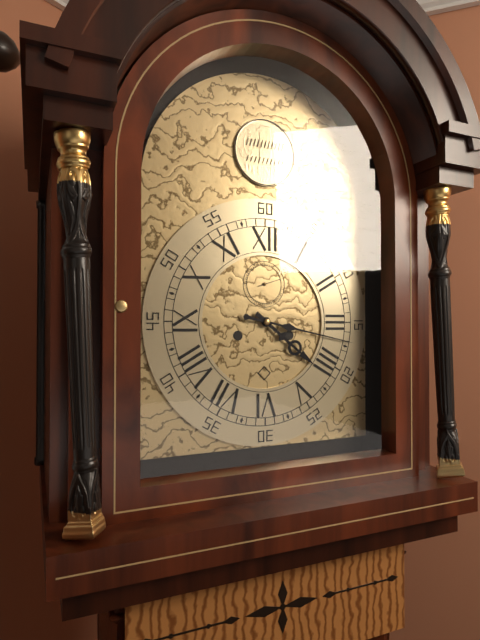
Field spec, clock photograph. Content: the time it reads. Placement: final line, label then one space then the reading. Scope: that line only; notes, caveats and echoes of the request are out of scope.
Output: 4:17
